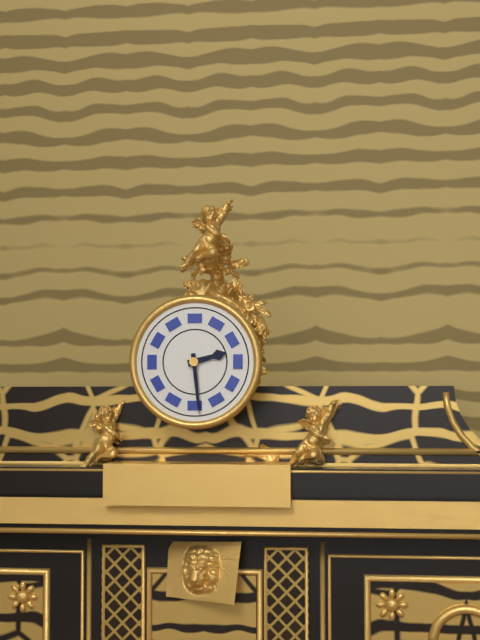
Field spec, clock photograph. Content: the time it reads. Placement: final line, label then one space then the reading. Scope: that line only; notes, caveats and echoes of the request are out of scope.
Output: 2:29
